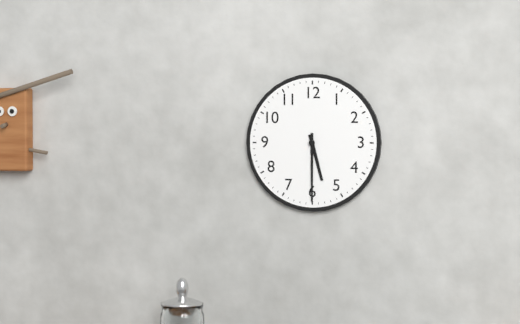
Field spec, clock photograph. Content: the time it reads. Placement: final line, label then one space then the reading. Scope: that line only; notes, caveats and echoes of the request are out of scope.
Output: 5:30
